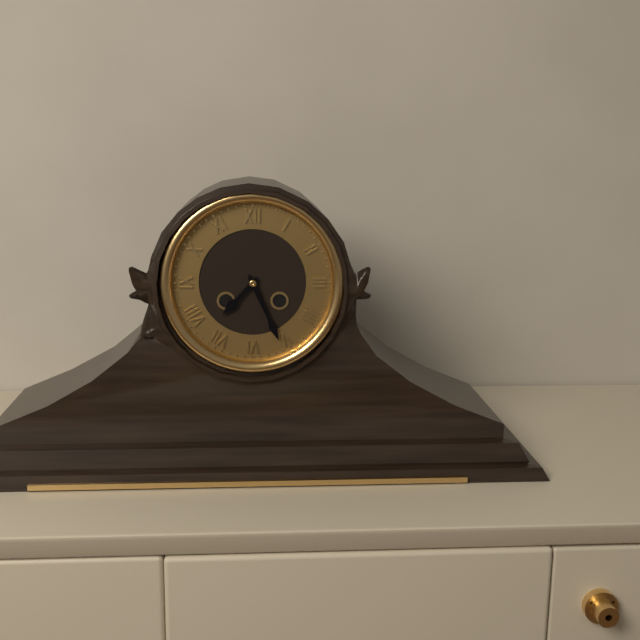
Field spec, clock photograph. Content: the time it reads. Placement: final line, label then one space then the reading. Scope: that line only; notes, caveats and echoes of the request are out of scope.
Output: 7:26
